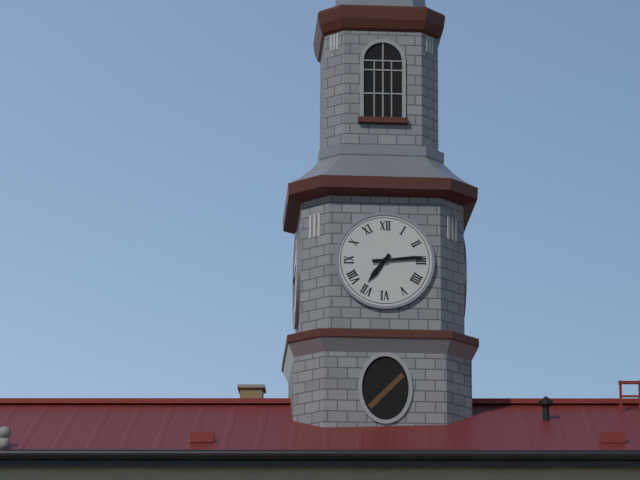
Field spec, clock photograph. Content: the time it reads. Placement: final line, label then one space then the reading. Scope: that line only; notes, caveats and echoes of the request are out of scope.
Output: 7:14
